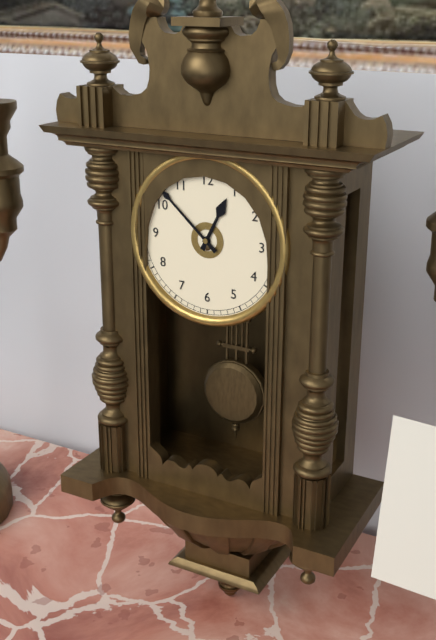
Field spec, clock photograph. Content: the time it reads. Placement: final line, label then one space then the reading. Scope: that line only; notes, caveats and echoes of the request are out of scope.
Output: 12:52
